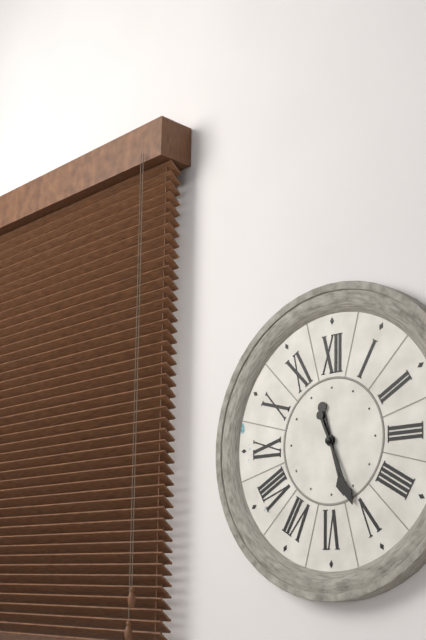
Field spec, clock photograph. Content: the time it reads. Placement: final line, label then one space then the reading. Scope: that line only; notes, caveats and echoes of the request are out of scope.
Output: 5:26
